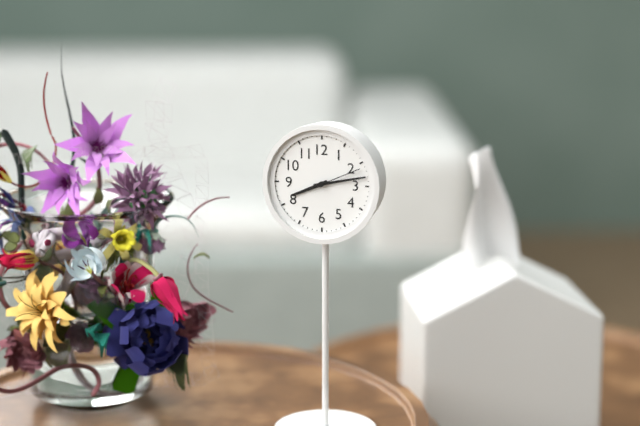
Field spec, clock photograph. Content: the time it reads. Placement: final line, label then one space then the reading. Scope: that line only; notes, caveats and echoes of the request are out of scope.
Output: 8:13:11
